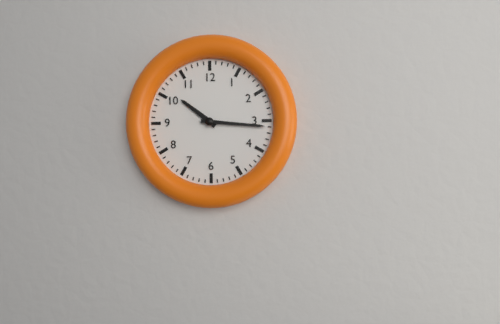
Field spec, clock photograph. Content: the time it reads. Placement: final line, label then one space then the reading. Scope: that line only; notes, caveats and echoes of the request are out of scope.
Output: 10:16
